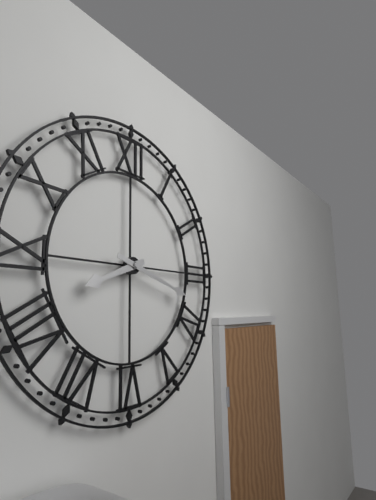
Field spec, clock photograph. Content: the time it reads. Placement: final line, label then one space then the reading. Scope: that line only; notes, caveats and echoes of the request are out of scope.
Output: 8:18
